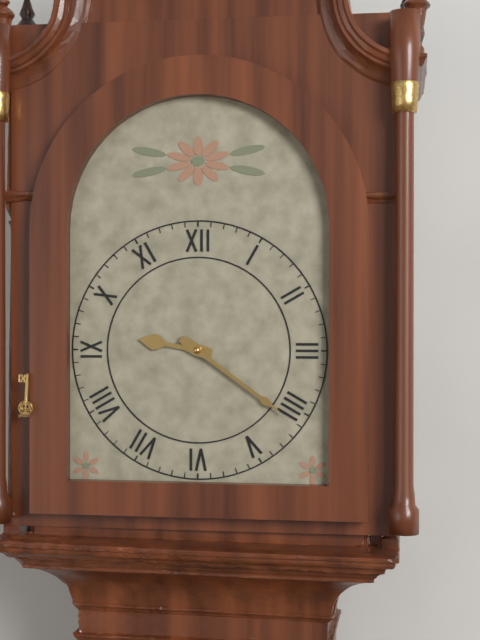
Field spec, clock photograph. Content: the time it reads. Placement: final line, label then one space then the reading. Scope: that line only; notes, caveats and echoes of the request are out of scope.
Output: 9:21
